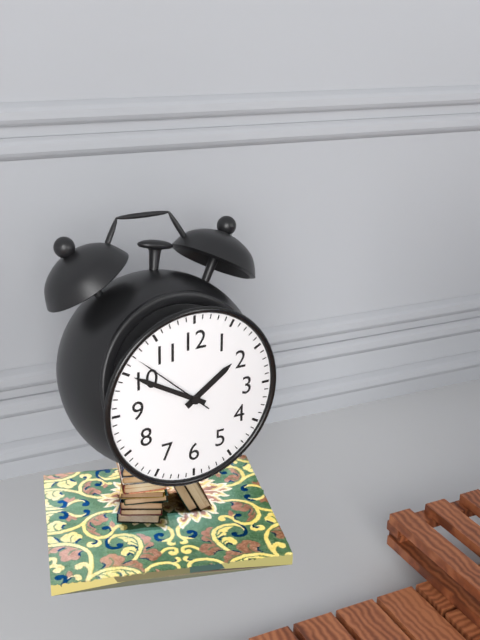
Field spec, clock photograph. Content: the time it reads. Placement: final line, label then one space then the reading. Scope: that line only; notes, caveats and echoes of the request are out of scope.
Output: 1:50:52
